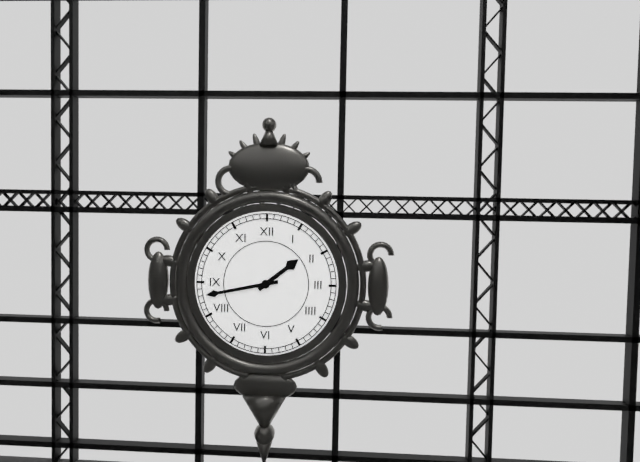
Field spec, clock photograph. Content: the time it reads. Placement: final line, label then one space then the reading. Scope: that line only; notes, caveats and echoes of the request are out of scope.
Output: 1:43
